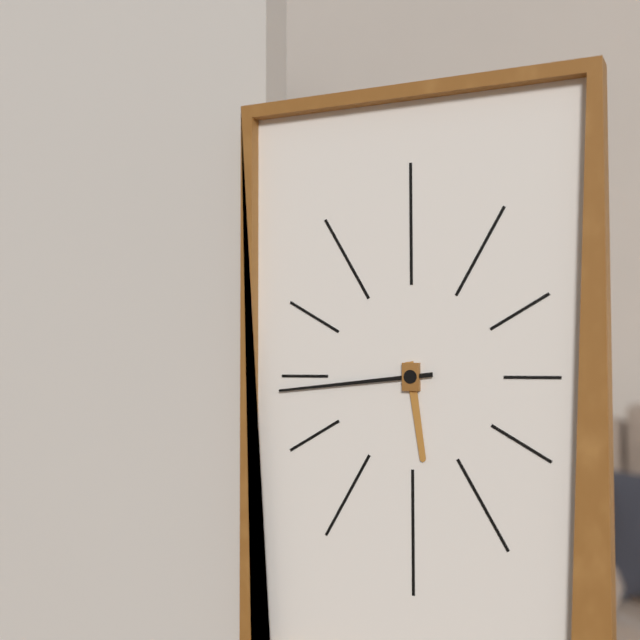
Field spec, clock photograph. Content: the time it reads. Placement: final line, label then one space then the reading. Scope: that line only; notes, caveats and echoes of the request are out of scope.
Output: 5:44
